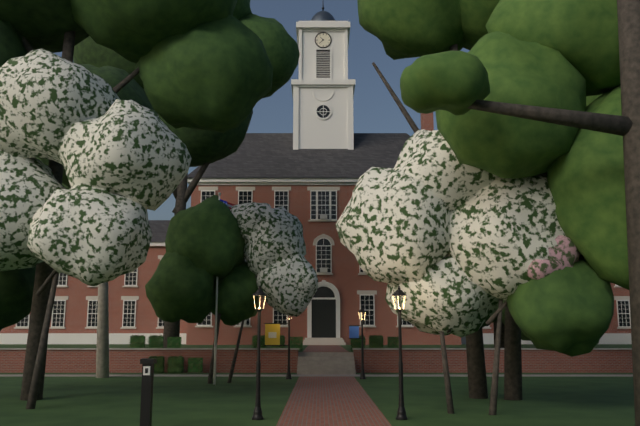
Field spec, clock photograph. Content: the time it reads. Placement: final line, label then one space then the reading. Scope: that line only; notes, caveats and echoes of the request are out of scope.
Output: 10:38
